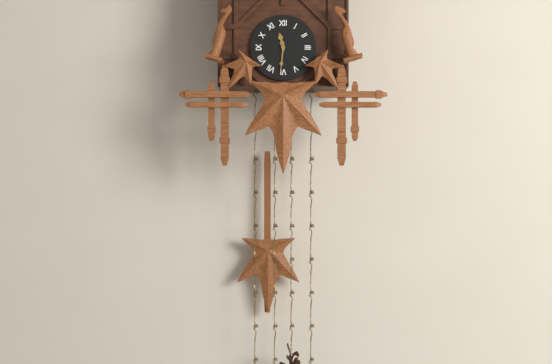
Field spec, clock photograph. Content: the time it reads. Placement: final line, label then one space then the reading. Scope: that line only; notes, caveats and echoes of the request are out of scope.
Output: 11:31
